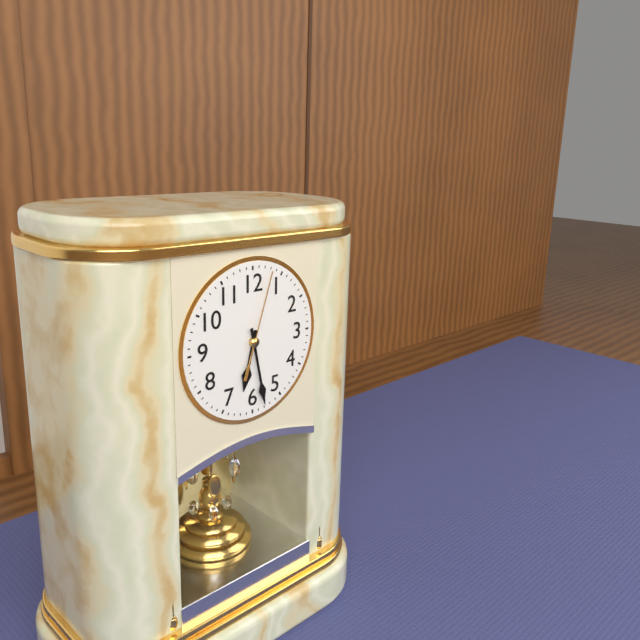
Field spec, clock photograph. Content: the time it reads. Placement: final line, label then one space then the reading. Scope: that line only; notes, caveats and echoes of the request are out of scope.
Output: 6:28:03
